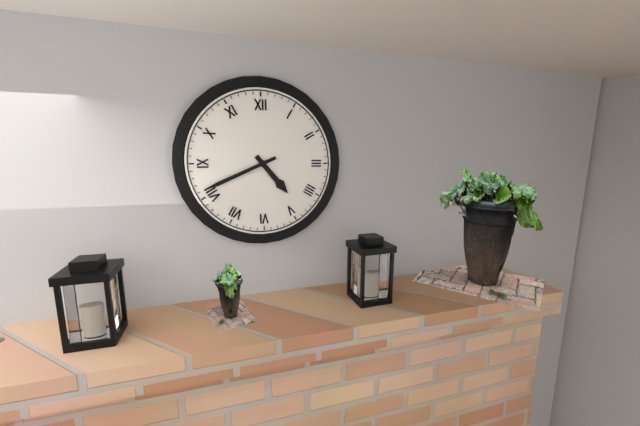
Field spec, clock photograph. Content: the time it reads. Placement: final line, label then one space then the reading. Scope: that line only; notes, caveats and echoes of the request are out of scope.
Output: 4:41
